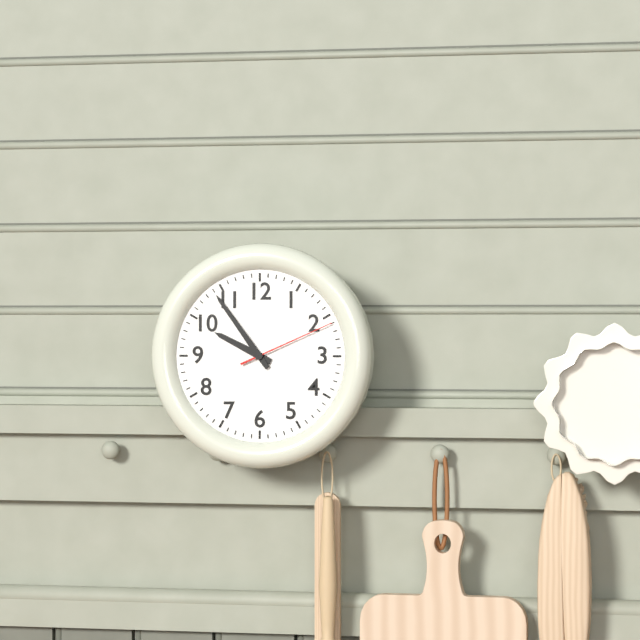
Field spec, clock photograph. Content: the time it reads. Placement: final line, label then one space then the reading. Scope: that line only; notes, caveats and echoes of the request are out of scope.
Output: 9:54:11
